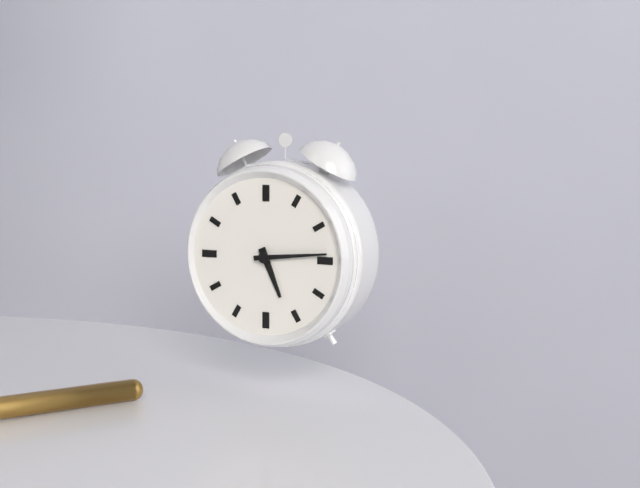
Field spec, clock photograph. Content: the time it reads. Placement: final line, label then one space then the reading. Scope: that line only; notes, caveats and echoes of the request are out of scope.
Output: 5:14
